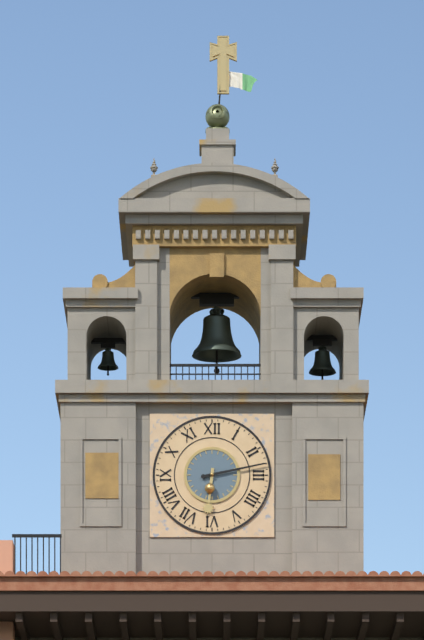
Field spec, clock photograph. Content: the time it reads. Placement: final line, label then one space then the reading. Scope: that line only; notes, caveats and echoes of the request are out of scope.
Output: 6:13
